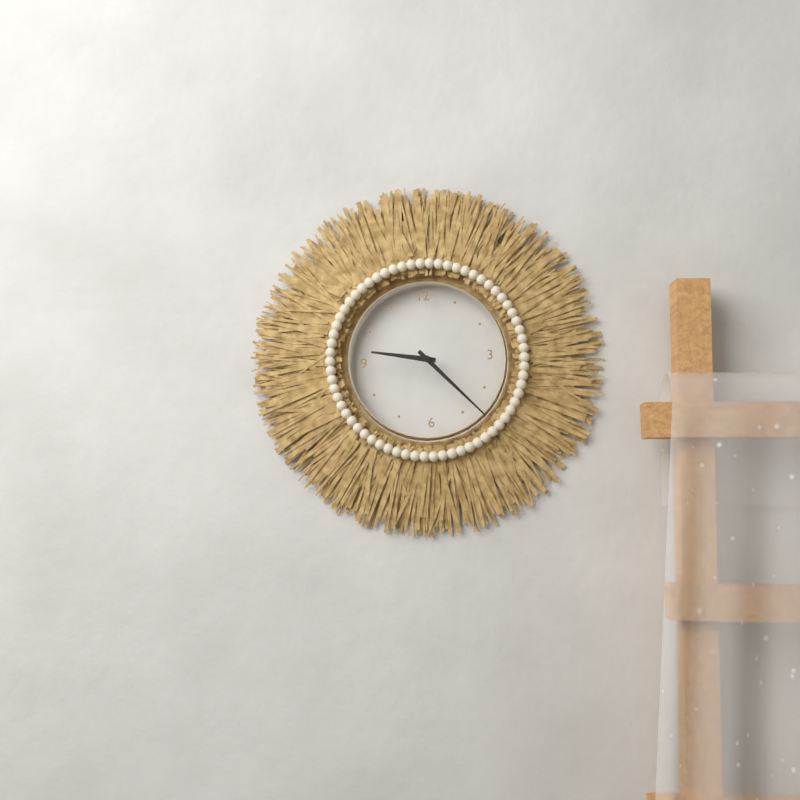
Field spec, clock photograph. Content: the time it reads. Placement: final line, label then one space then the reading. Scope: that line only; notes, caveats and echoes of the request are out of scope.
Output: 9:23
